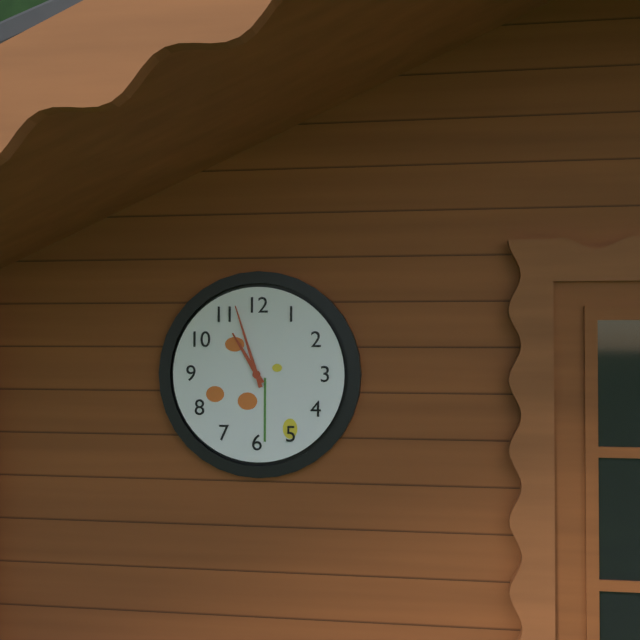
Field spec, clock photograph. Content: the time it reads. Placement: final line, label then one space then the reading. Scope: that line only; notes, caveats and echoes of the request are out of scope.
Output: 10:57
